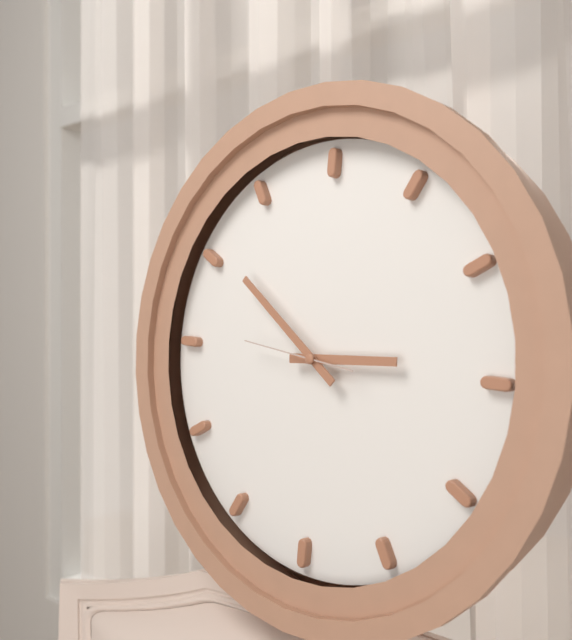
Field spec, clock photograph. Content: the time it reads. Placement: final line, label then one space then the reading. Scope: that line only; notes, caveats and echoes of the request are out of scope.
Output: 2:51:46
